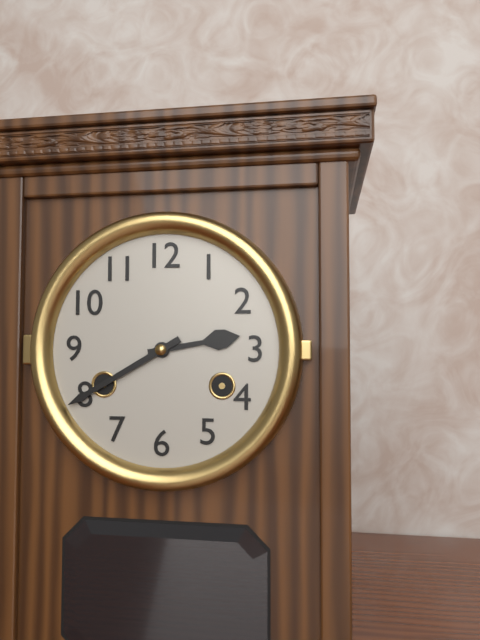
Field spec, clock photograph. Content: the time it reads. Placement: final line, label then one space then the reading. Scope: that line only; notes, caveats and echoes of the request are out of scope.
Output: 2:40
